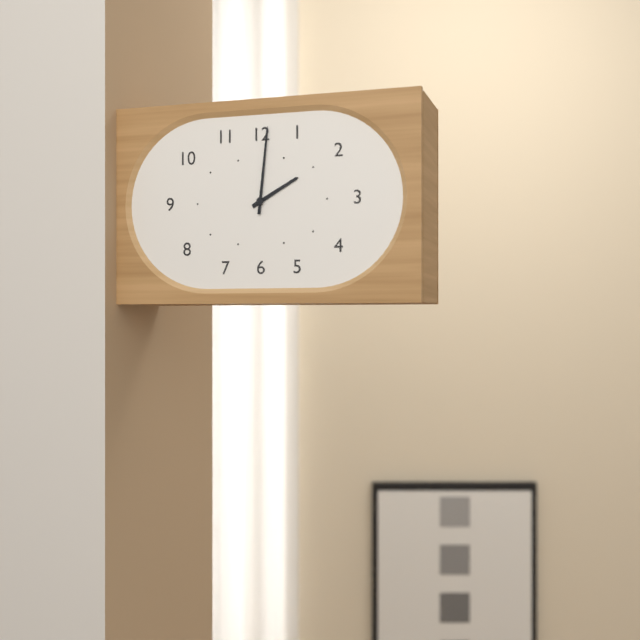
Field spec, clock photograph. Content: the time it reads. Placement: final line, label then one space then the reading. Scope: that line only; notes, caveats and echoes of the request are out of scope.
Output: 2:01
